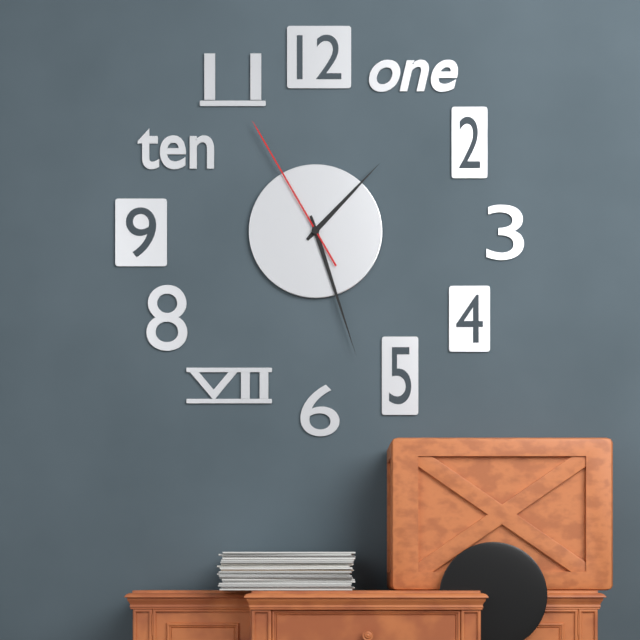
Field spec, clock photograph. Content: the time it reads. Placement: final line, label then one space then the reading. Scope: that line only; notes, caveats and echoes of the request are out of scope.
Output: 1:27:55
